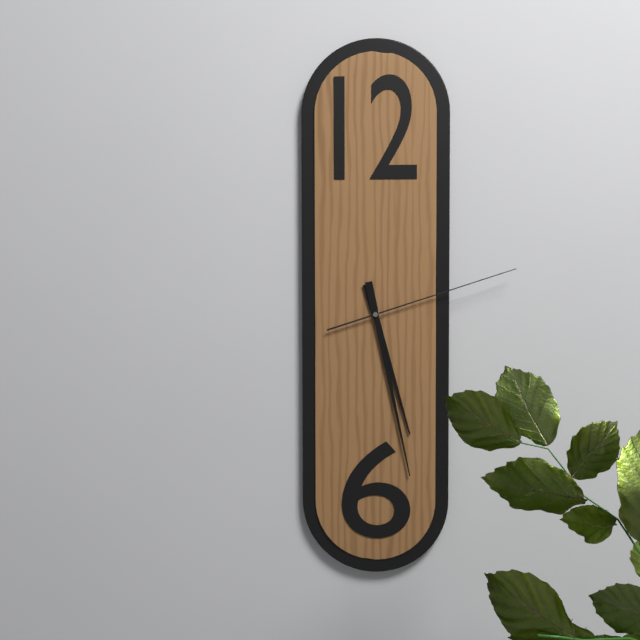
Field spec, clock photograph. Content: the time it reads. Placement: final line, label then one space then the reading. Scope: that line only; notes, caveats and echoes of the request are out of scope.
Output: 5:28:12
